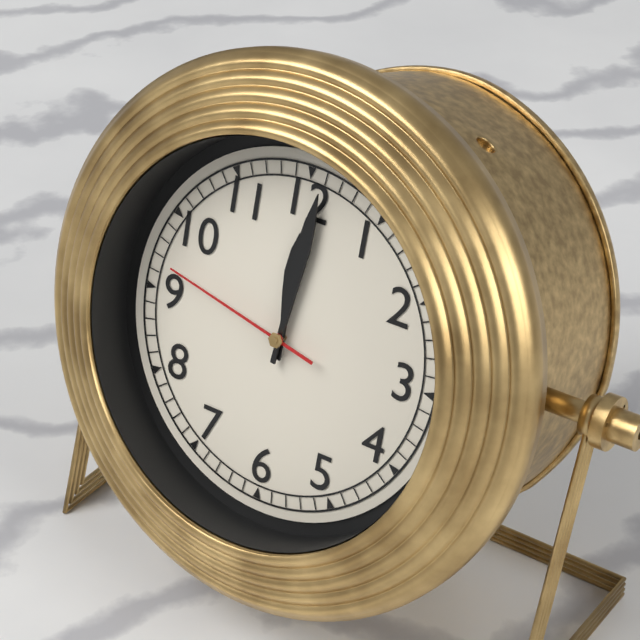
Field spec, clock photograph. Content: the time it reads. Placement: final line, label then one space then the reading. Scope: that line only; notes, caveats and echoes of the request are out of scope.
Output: 12:01:47
